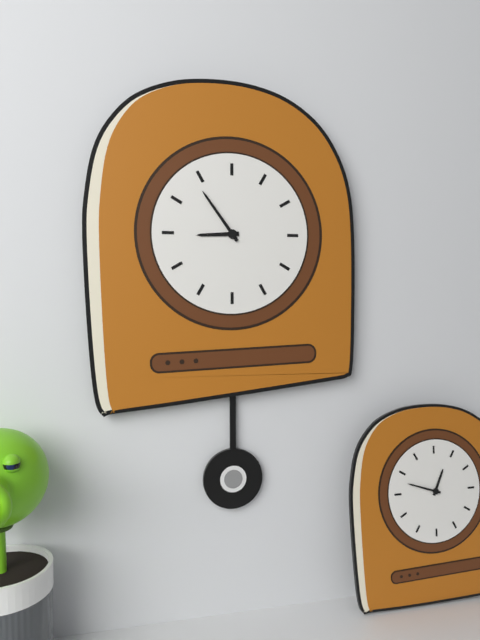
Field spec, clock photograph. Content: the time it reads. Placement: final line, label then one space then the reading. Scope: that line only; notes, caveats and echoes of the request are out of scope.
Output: 8:54
